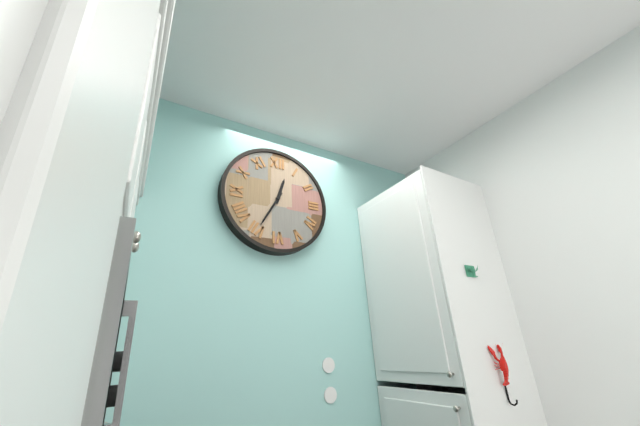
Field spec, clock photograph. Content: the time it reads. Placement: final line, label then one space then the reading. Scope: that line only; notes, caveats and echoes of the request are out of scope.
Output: 12:35
